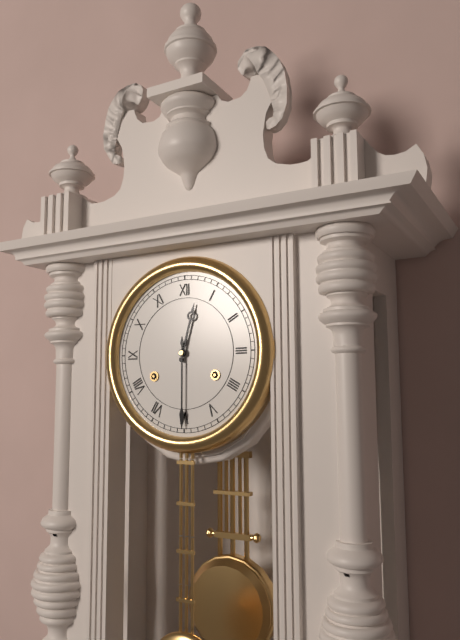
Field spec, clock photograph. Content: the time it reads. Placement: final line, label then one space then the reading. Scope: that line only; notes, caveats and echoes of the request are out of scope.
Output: 12:30
